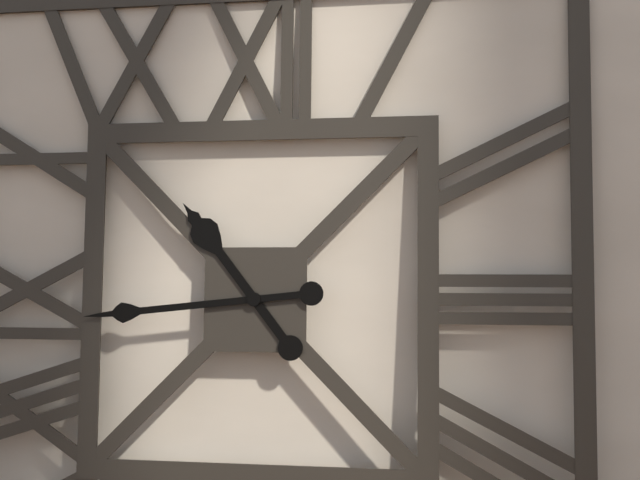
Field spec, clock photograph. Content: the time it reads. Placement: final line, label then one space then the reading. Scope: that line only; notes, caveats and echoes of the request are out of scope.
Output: 10:44
